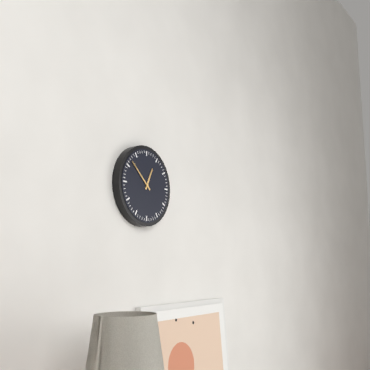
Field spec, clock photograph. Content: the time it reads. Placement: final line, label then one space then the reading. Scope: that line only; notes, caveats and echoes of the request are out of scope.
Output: 12:52
